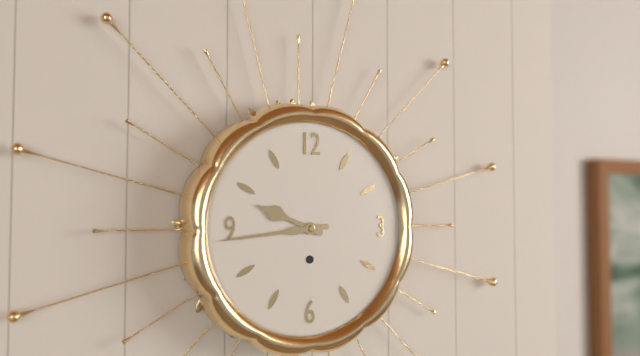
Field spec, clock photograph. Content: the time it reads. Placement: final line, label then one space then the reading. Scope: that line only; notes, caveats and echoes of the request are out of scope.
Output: 9:44
